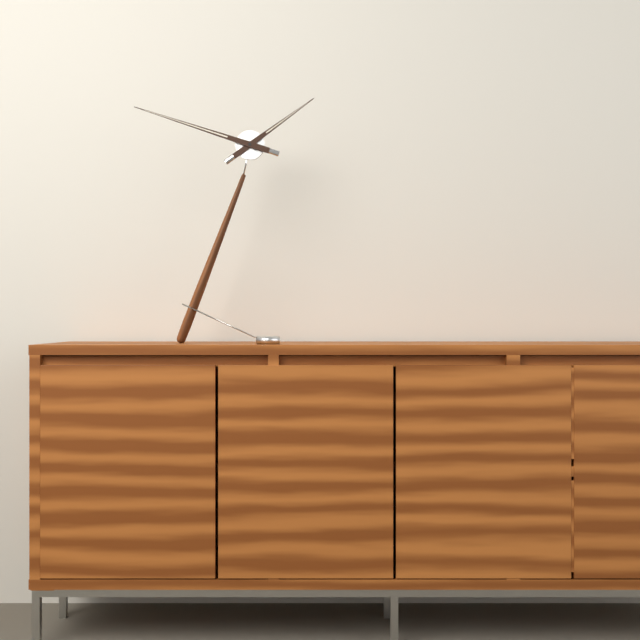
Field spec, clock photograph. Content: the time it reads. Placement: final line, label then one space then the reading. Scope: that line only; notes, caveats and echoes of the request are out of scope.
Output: 1:48
